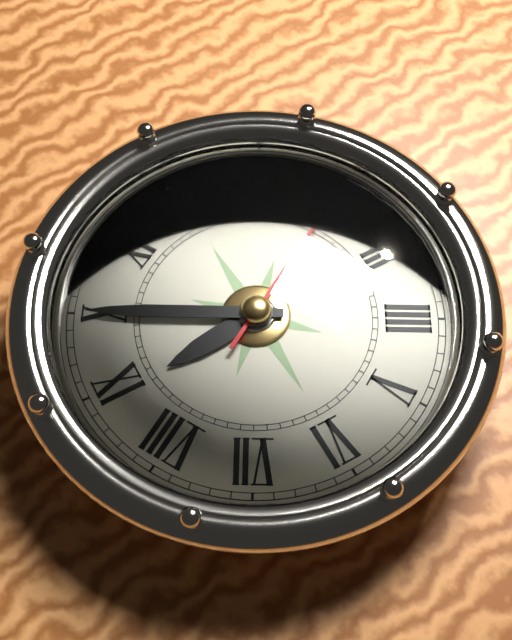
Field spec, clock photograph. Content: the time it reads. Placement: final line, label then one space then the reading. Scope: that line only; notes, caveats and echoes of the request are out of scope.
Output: 8:50:10
